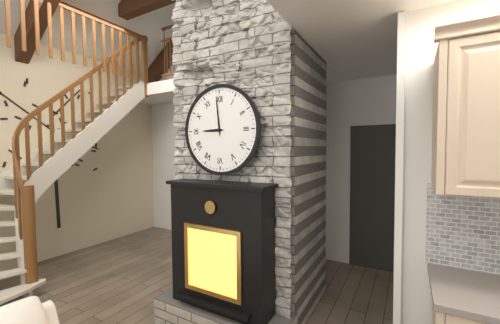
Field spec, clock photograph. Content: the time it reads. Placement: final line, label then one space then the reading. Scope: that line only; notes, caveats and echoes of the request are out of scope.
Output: 8:59
